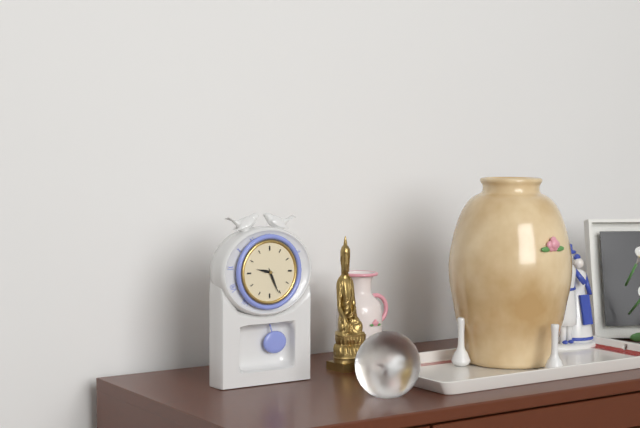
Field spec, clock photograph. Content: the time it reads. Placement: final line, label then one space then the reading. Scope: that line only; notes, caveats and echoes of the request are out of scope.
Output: 9:26
